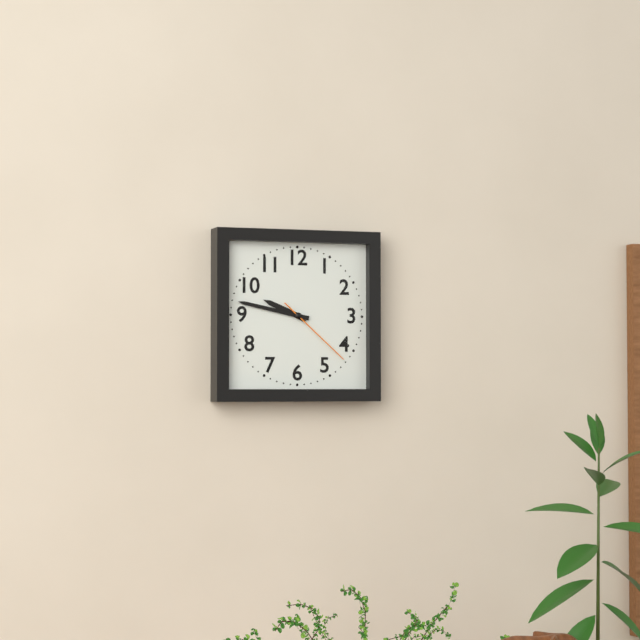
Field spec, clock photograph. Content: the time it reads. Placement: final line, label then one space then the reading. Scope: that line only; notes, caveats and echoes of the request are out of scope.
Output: 9:47:22
